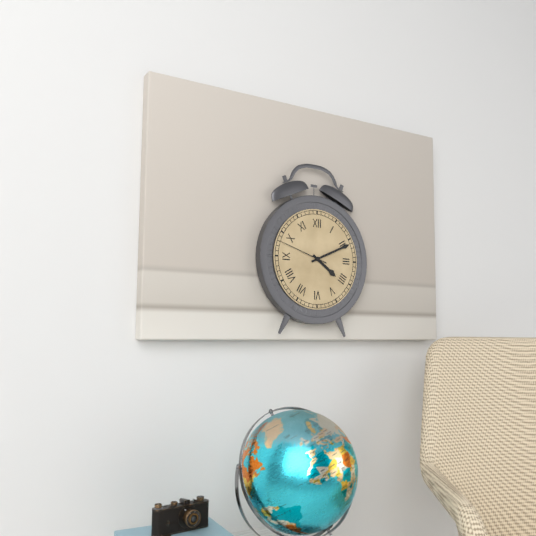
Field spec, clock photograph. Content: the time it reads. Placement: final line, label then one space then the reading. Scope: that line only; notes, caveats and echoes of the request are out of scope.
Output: 4:11:48
